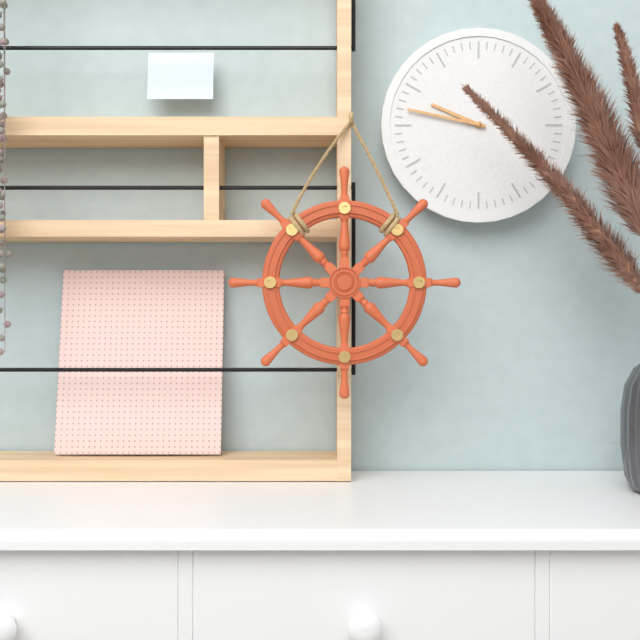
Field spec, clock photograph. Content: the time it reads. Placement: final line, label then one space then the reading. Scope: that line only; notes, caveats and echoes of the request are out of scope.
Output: 9:47
